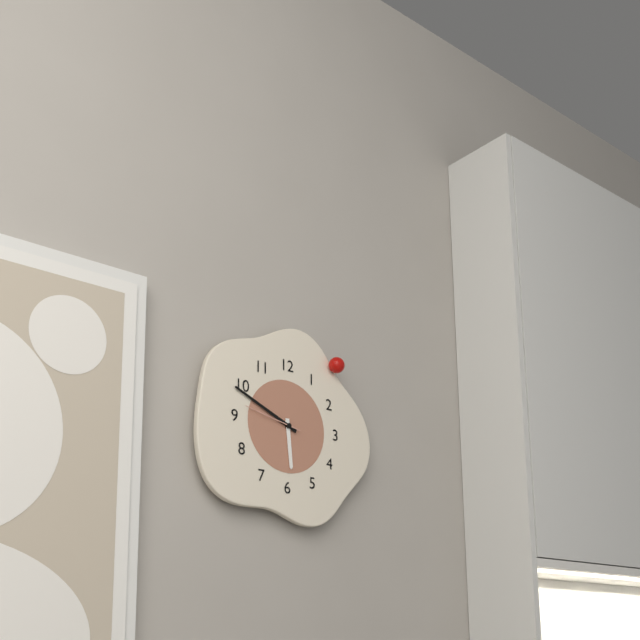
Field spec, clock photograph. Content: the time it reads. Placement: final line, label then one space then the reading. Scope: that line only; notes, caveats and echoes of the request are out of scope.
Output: 5:49:47
